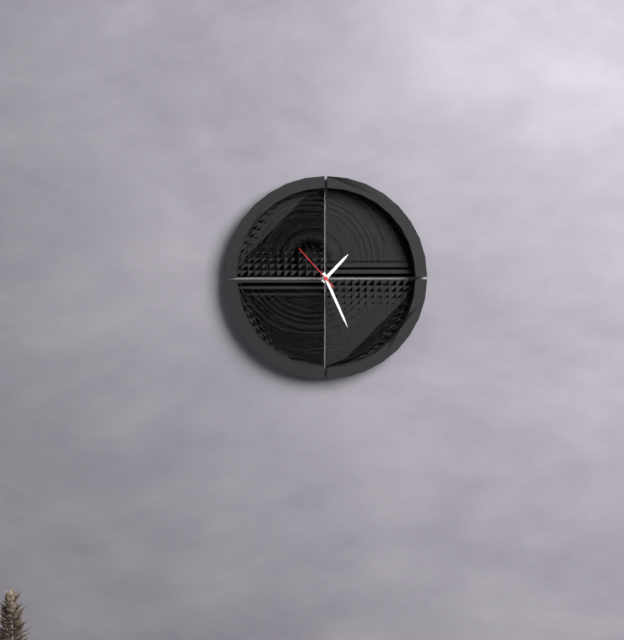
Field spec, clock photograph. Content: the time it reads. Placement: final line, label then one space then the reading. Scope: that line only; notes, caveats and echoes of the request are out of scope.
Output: 1:26:53
